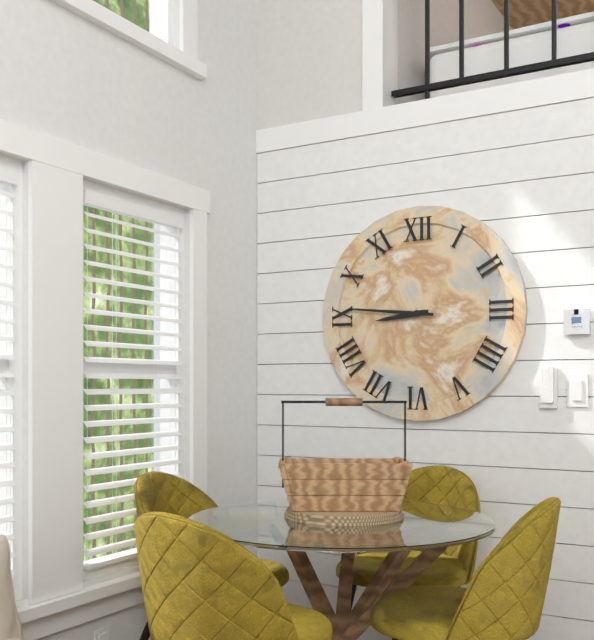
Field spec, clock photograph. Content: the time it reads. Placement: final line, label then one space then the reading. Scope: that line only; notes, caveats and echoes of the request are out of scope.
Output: 8:46
